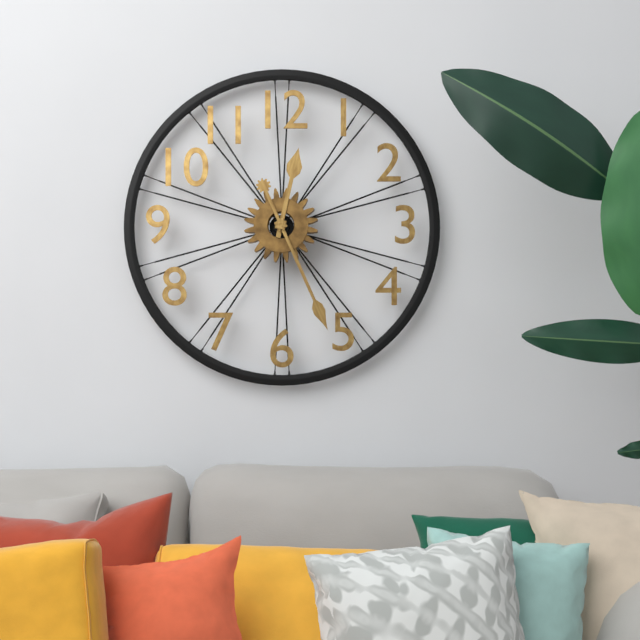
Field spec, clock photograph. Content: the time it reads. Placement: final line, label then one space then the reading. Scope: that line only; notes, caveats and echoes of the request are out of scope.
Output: 12:26
